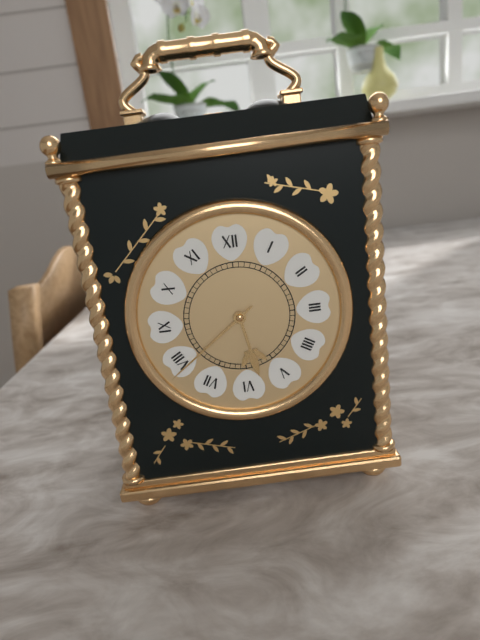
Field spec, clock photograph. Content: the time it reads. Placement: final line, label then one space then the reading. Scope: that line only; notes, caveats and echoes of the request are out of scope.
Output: 5:39
